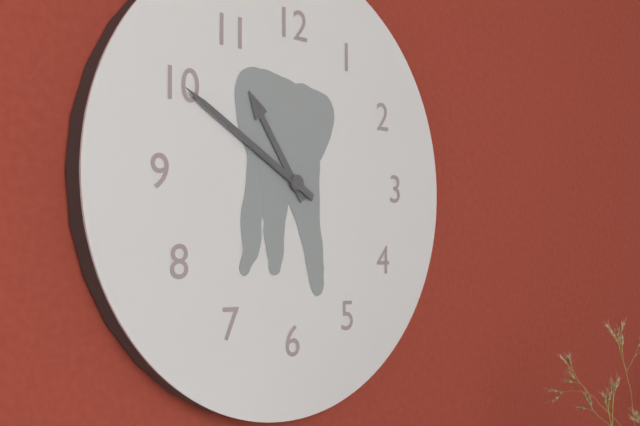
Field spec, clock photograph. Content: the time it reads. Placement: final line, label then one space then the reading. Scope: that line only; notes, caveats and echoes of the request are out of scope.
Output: 10:50
